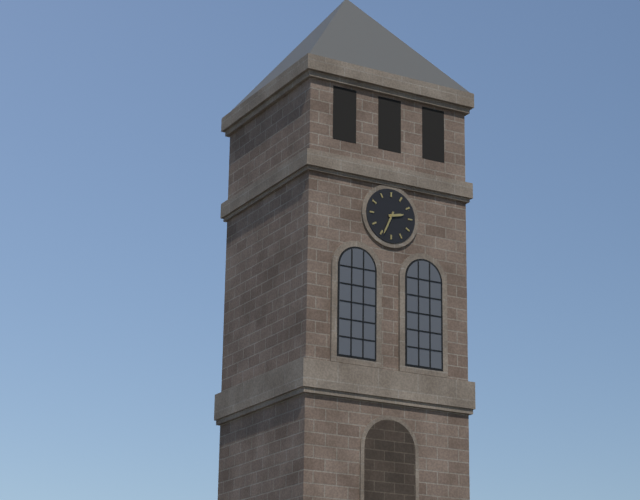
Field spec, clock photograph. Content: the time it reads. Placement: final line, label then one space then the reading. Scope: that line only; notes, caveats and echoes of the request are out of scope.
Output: 2:34
